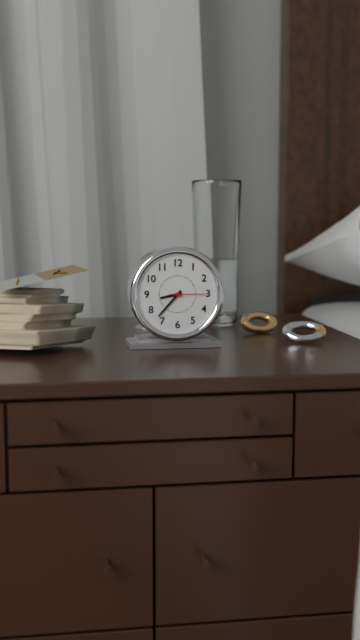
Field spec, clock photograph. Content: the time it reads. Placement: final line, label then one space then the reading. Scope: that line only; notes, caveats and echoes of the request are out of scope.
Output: 8:37
